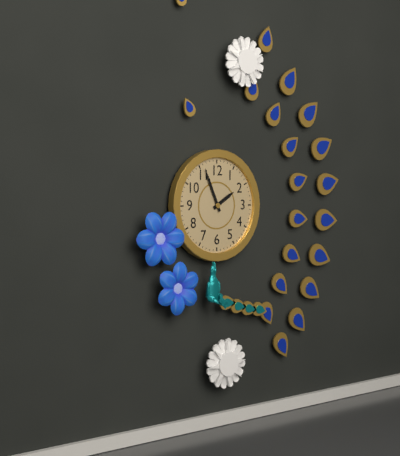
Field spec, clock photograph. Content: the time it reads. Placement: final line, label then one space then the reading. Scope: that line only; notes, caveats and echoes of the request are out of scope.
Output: 1:56
